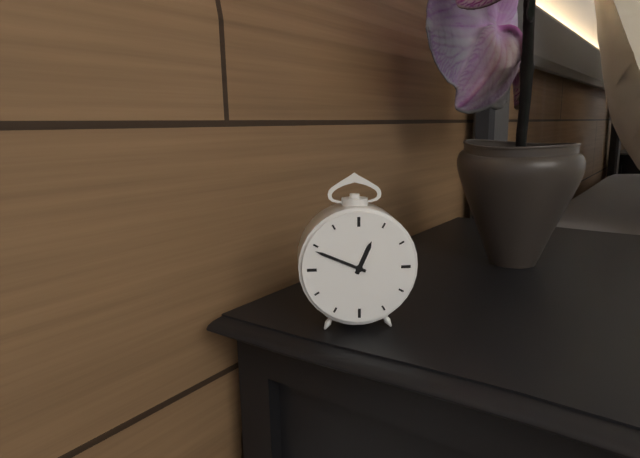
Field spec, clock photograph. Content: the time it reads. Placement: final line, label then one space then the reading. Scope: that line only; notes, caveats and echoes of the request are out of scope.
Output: 12:49
